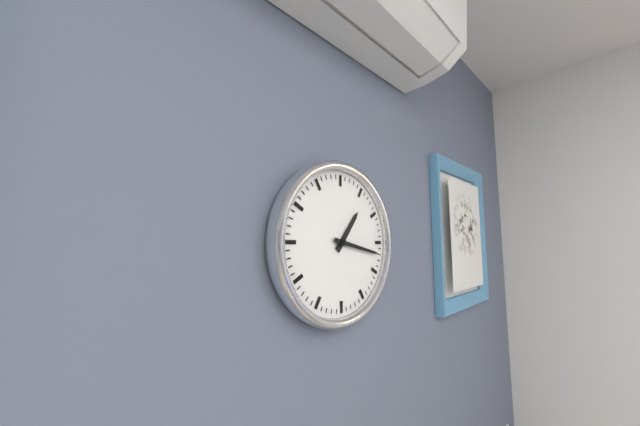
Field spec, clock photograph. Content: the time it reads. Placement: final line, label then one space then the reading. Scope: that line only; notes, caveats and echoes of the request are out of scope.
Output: 1:17
